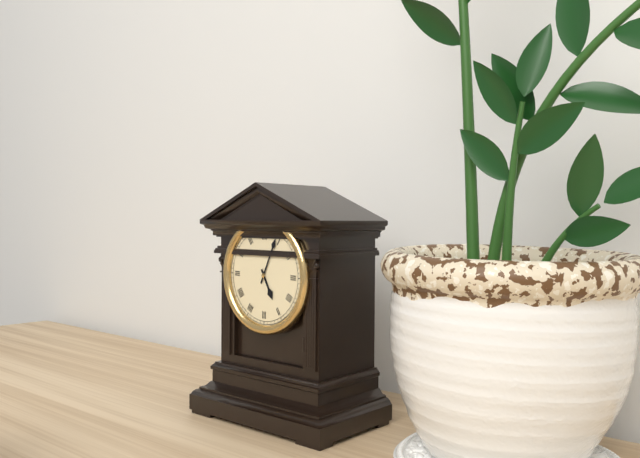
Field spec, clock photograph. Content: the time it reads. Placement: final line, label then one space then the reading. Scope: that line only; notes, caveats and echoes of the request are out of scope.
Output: 5:04
